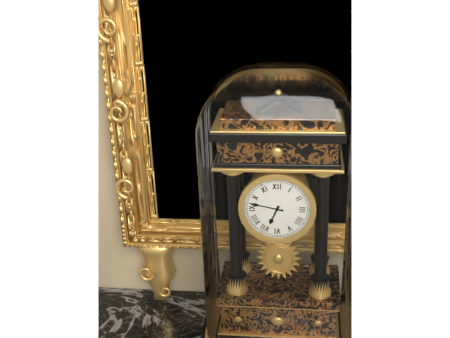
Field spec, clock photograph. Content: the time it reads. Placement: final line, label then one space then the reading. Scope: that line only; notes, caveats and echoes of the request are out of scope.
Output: 6:47
